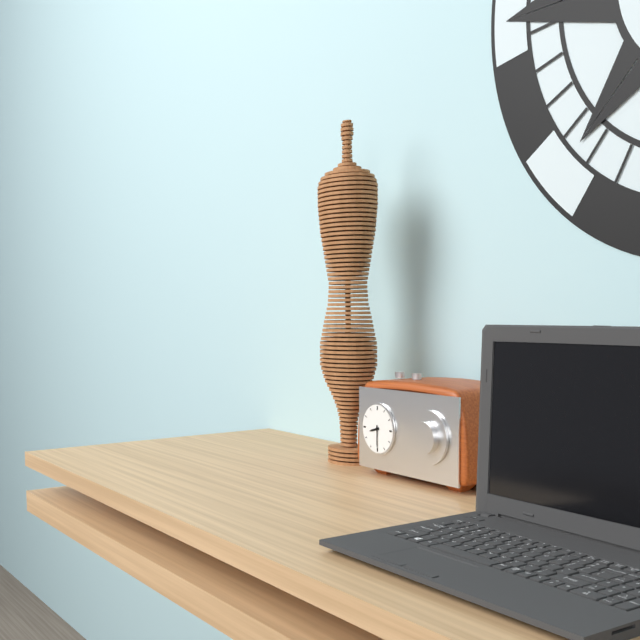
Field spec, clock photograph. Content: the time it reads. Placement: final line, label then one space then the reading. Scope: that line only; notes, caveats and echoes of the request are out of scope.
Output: 8:30
